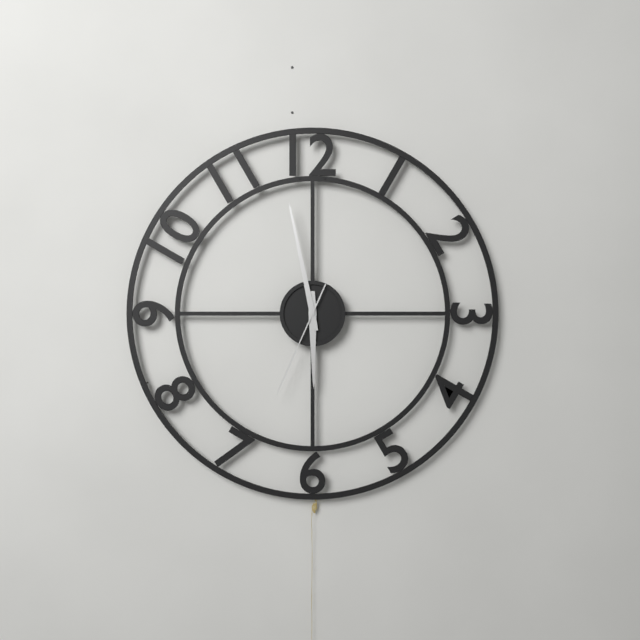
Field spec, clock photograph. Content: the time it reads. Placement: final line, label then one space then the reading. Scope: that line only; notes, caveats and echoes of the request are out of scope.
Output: 5:58:34
